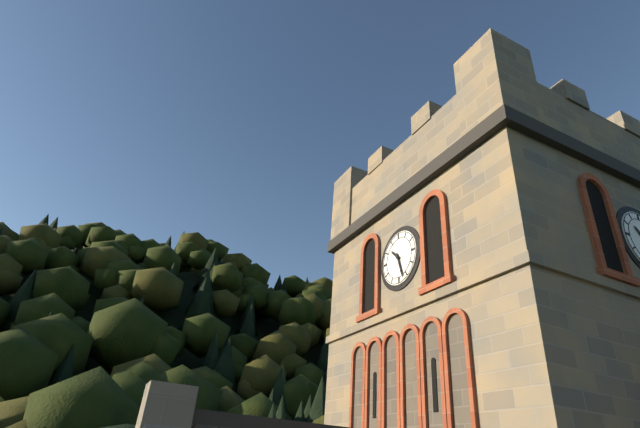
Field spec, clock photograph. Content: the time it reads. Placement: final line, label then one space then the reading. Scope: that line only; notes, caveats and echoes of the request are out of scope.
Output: 10:27
